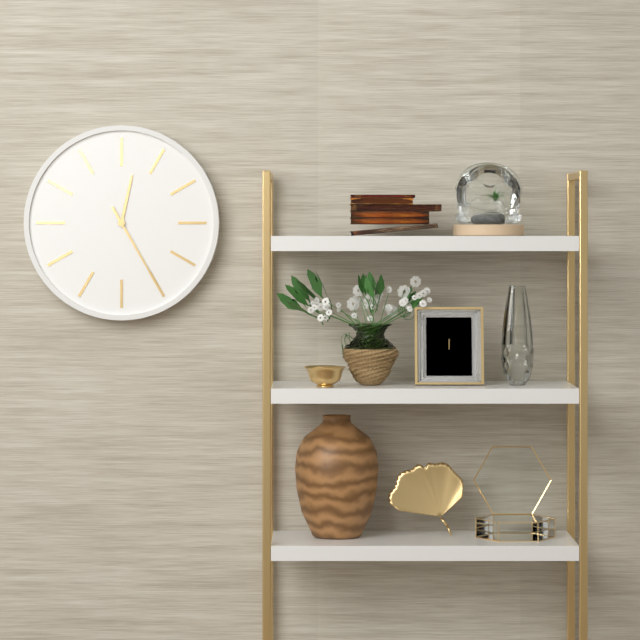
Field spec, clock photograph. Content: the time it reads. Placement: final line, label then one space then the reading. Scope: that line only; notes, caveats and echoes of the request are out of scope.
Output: 12:25
